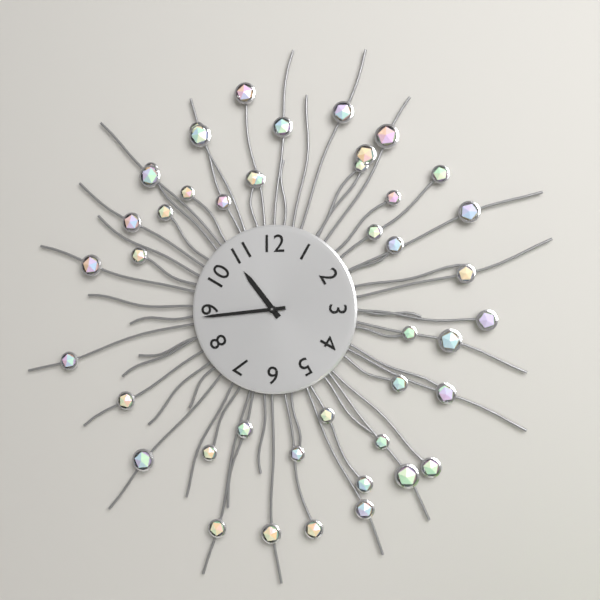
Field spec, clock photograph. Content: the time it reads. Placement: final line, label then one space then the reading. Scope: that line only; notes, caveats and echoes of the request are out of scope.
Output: 10:44
